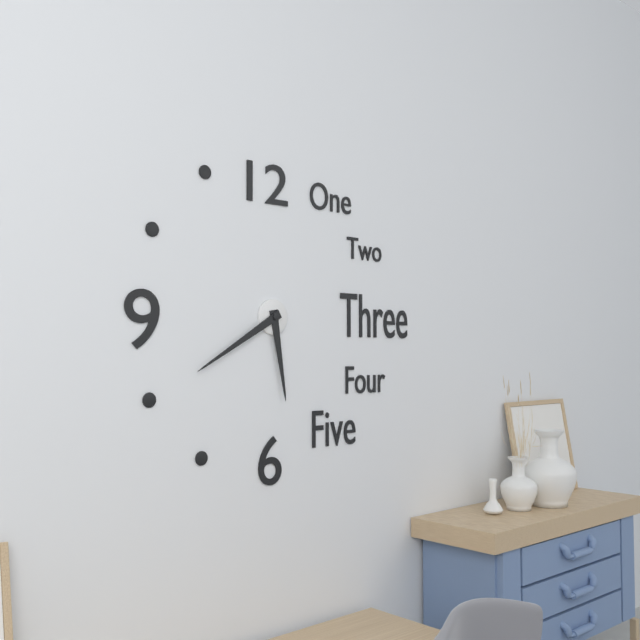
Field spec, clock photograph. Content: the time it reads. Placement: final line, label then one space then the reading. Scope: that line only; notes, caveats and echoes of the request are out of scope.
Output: 5:40
